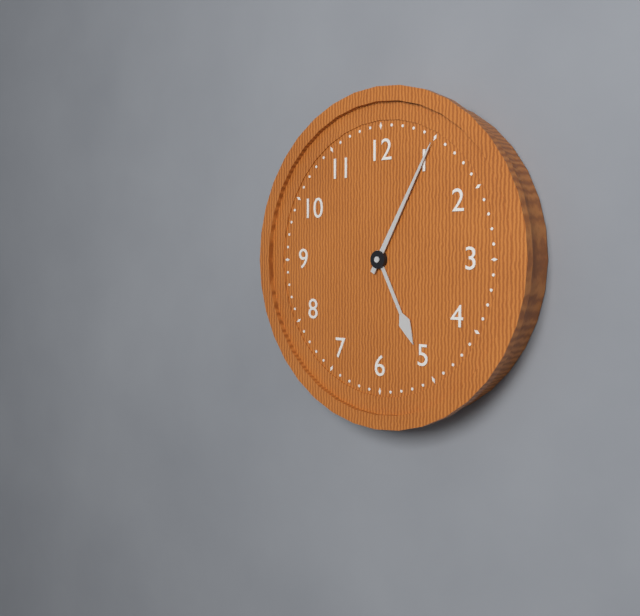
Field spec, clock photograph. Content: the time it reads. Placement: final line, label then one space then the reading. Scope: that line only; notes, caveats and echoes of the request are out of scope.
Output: 5:05
